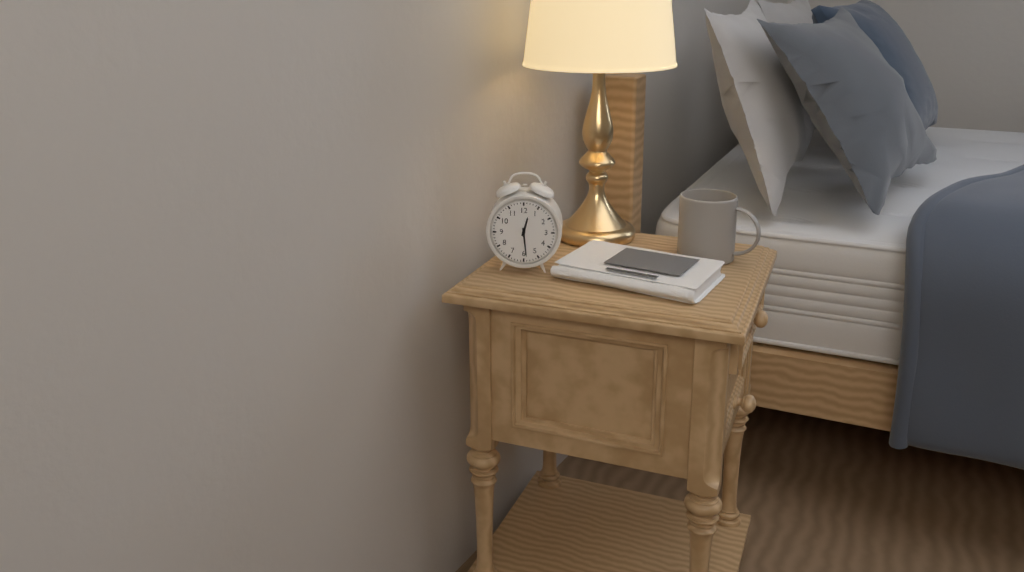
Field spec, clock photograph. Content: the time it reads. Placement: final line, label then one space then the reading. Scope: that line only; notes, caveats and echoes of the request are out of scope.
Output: 12:29
